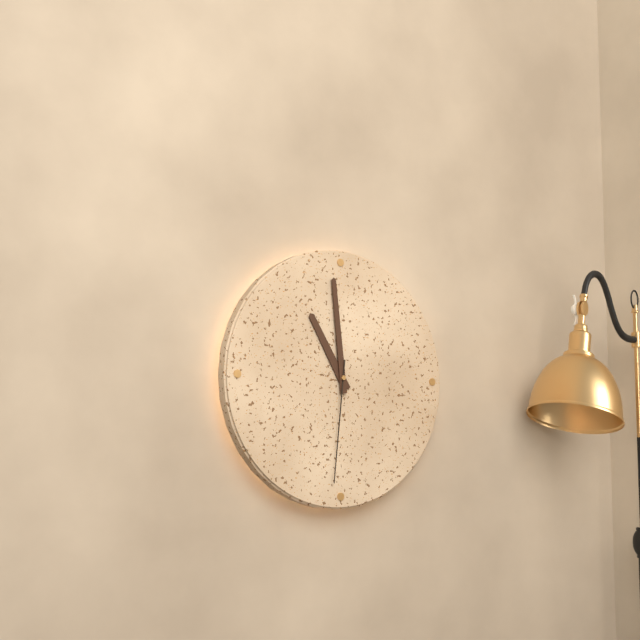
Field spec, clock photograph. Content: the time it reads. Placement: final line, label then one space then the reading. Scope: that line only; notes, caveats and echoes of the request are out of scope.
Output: 10:59:31
